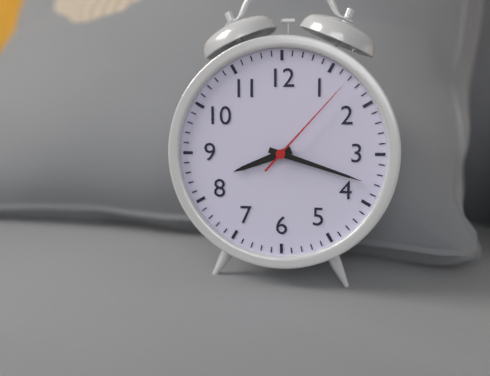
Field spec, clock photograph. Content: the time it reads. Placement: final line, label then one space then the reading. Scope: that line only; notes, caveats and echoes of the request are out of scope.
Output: 8:18:07
